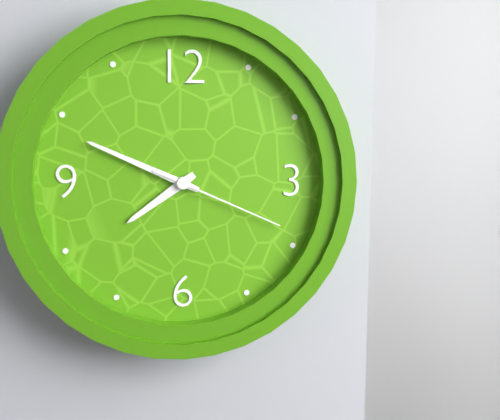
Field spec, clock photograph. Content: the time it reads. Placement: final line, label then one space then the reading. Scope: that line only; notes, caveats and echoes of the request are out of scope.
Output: 7:49:19
